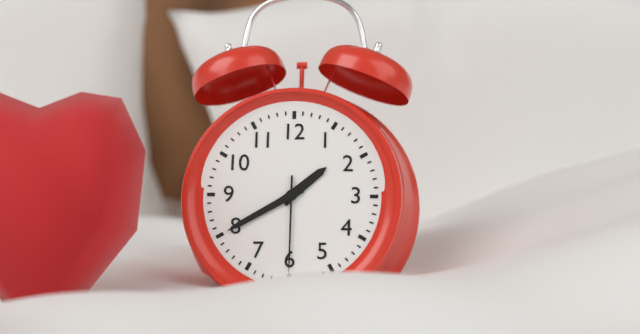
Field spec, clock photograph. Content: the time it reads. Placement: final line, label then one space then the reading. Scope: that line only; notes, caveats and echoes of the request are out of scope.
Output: 1:40:30
